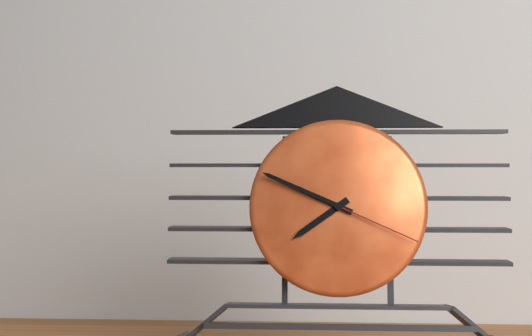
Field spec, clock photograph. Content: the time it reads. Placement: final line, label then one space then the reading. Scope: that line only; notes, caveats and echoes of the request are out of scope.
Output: 7:49:19
